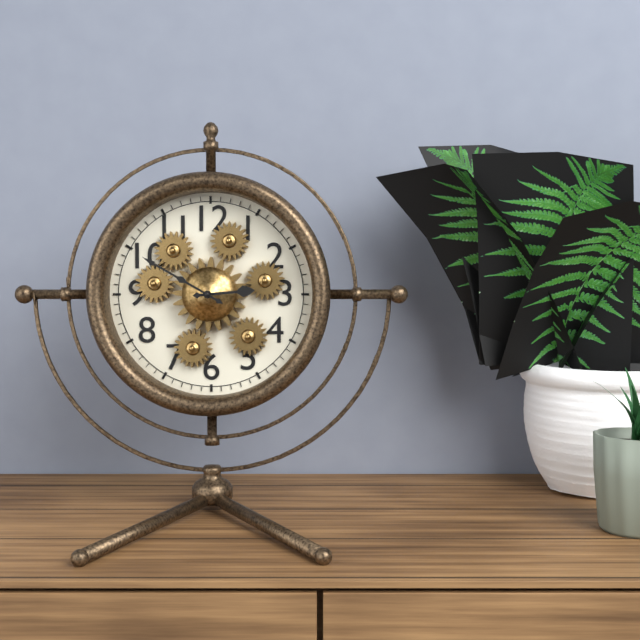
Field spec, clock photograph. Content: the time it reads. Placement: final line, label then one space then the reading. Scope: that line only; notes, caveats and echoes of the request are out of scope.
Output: 2:50
